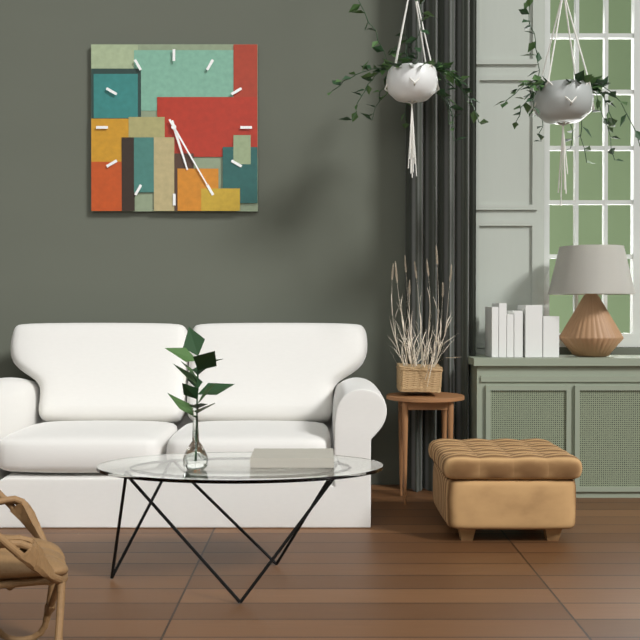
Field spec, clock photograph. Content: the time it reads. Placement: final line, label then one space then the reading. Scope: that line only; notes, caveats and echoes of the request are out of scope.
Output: 5:25
